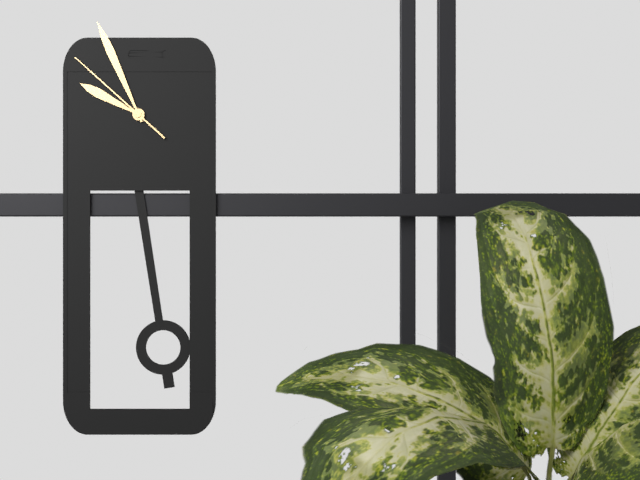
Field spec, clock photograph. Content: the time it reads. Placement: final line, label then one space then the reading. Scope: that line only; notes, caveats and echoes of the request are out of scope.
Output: 9:56:52
